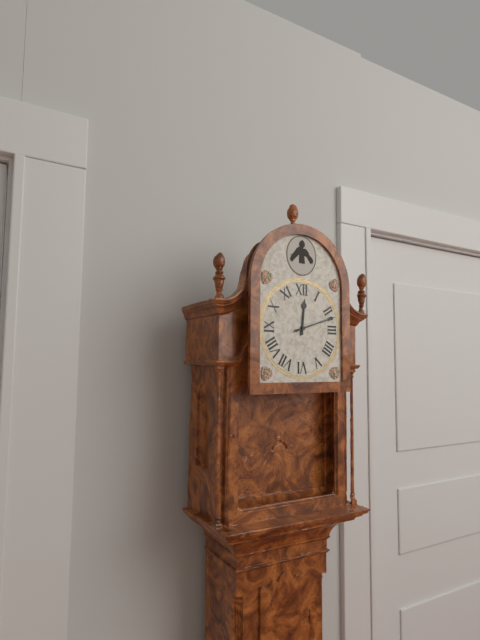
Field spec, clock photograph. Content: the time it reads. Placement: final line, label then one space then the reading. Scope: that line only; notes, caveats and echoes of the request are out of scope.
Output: 12:12
